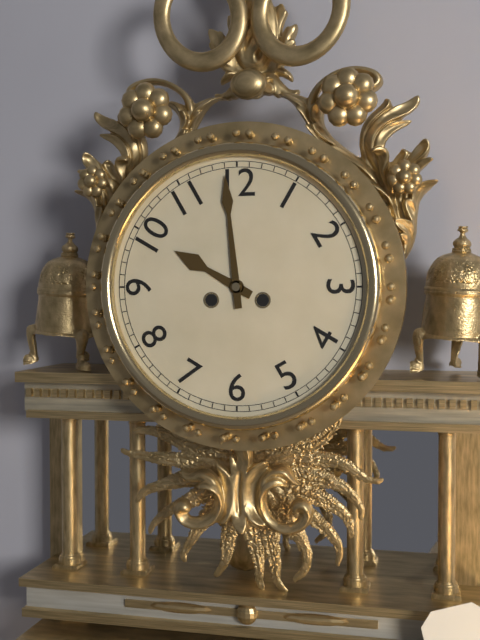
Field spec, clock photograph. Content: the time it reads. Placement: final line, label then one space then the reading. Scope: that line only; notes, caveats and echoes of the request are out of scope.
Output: 9:59
